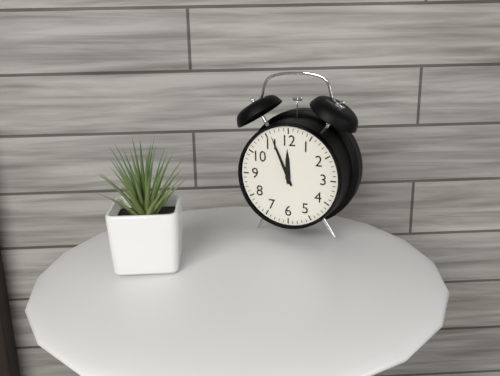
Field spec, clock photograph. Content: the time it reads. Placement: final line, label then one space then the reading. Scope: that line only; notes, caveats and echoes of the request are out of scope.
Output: 11:56
